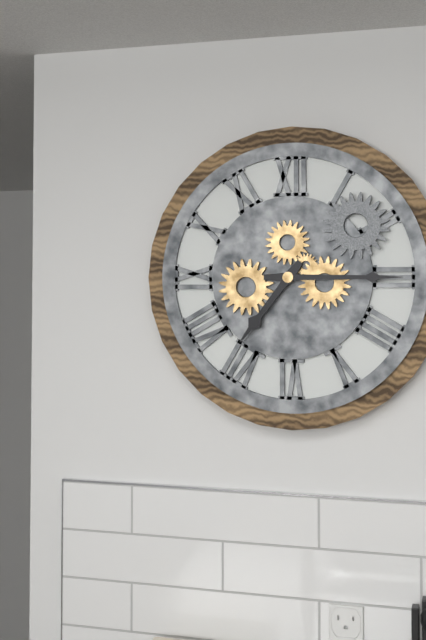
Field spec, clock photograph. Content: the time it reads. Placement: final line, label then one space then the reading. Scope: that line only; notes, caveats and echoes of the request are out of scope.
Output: 7:15
